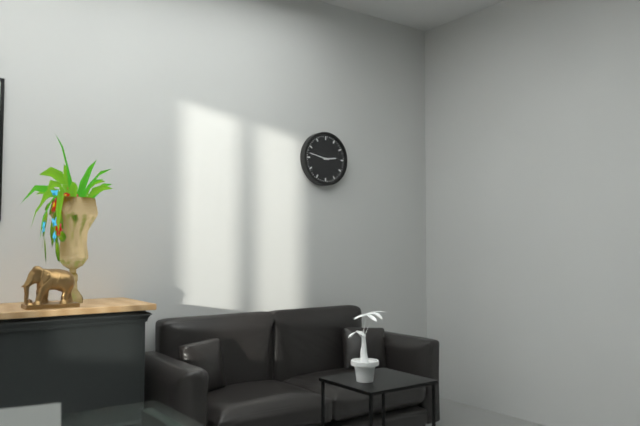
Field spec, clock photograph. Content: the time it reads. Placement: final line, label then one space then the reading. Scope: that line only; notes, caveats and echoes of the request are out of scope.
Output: 2:47
